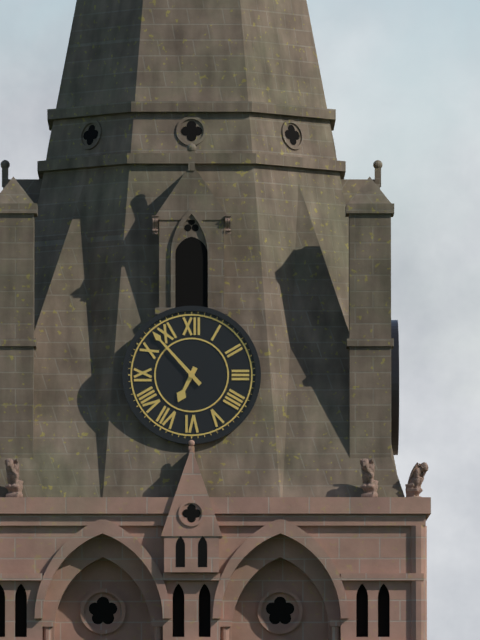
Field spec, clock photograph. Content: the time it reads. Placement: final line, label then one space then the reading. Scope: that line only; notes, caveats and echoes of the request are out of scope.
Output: 6:53
